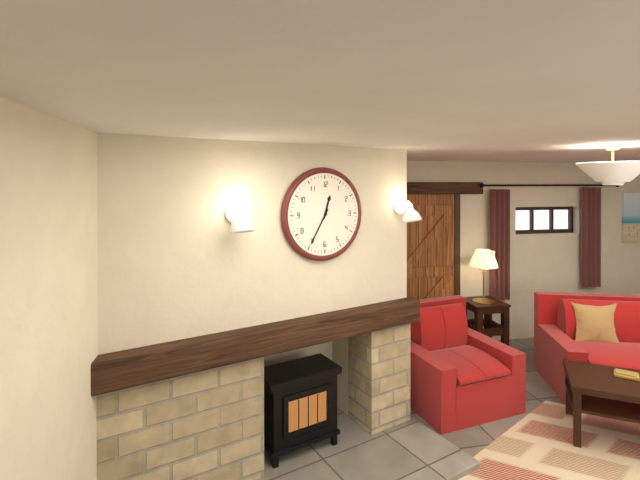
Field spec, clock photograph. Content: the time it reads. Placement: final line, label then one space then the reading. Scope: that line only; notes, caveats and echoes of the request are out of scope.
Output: 12:35
